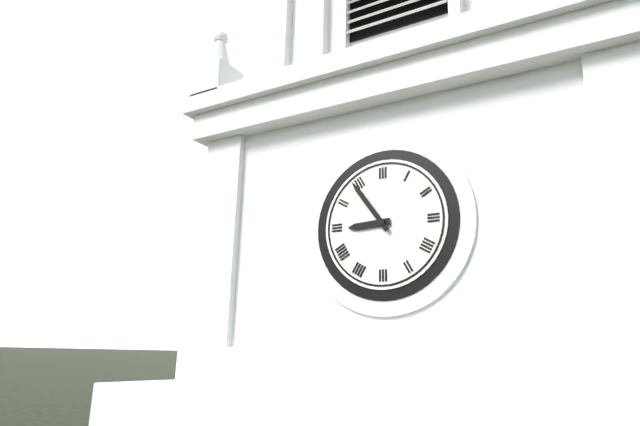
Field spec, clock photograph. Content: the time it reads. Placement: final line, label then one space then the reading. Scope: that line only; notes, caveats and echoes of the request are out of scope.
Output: 8:54
